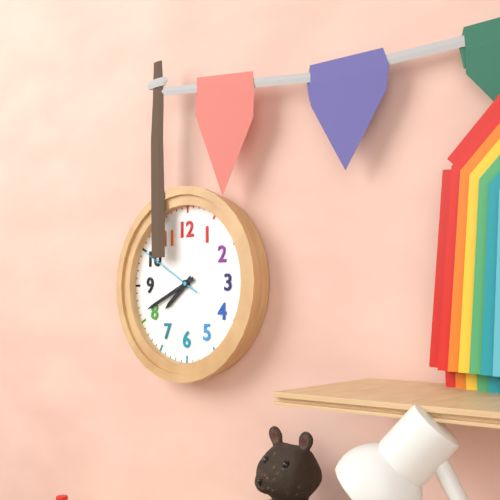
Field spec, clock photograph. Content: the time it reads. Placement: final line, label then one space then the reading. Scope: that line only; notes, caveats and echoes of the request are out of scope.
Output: 7:41:50
